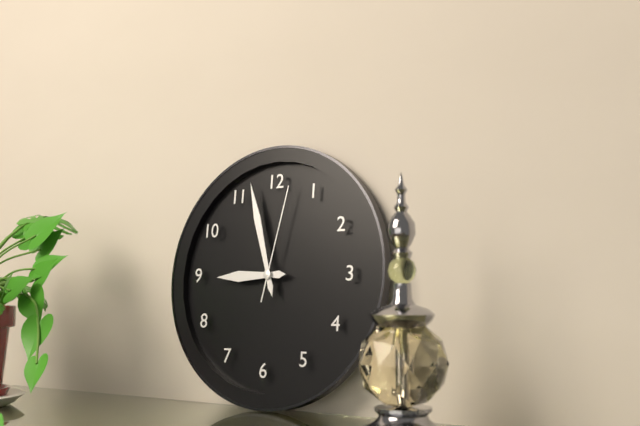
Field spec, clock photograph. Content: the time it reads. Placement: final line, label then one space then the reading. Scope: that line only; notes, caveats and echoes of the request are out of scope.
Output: 8:57:02
